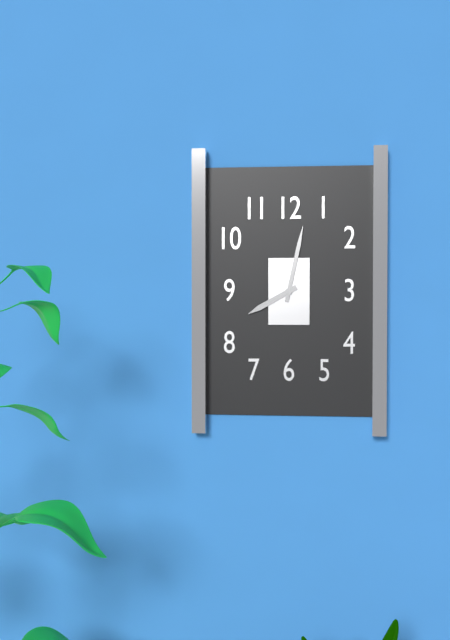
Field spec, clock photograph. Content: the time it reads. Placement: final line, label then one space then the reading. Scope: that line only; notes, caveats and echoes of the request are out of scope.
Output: 8:02
